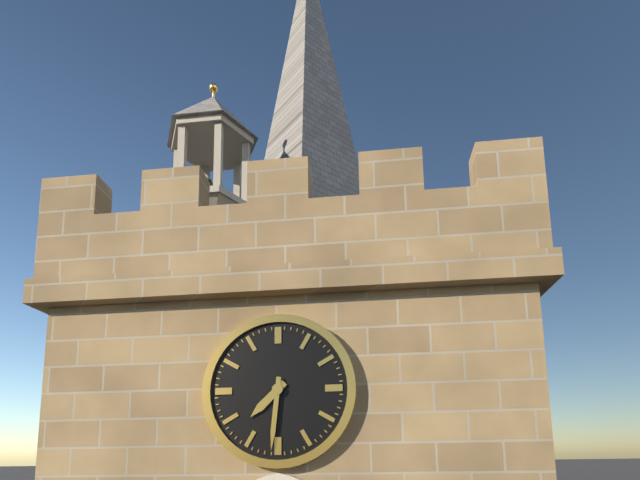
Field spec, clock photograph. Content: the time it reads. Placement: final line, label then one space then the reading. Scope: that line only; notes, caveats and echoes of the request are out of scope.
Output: 7:31
